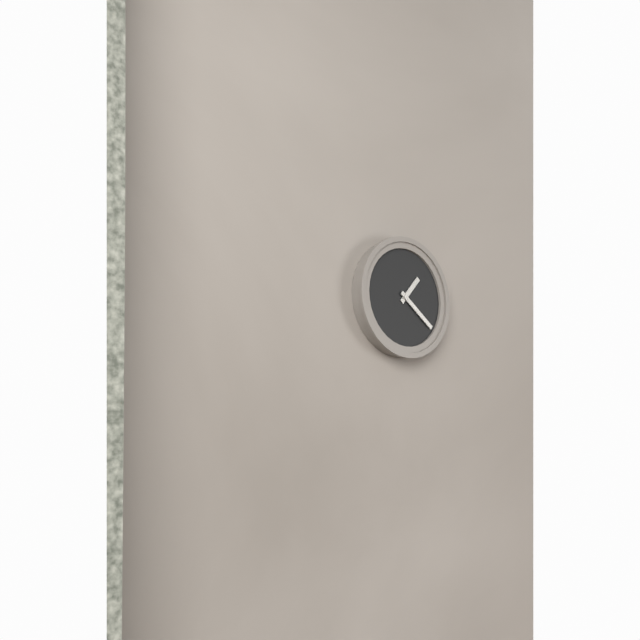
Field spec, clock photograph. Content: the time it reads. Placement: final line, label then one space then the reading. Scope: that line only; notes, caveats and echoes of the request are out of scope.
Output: 1:21
